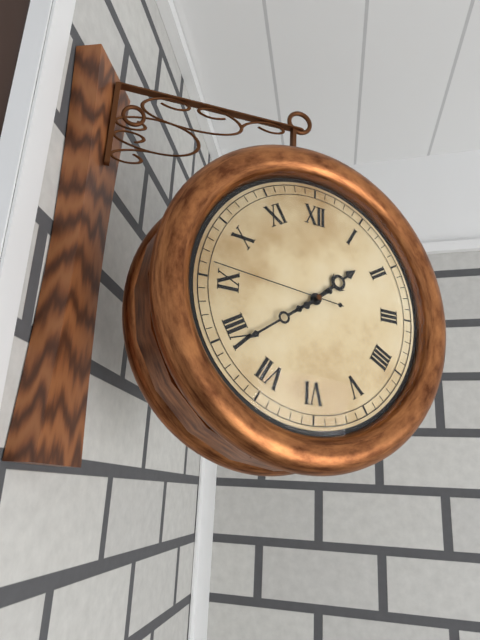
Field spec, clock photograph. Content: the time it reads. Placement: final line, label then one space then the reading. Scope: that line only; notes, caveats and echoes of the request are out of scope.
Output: 1:39:46
